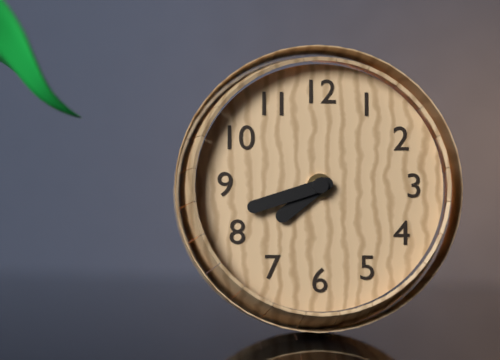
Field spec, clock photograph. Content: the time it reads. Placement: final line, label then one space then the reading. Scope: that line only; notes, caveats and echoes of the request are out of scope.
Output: 7:42
